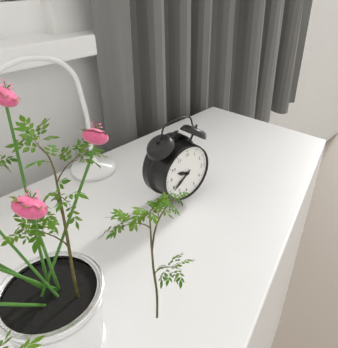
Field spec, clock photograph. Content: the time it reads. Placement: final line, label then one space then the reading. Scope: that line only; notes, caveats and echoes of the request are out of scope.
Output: 9:39
